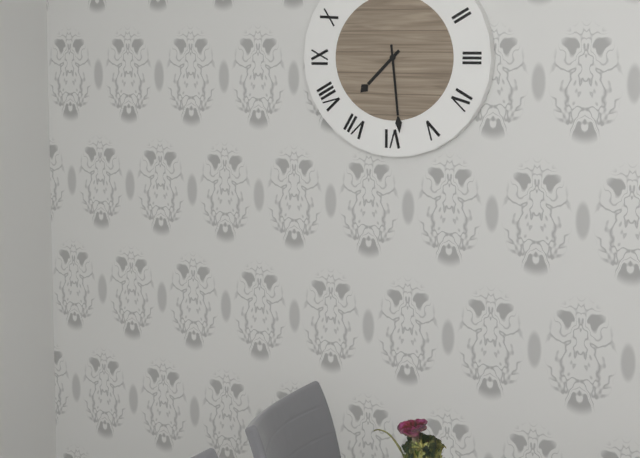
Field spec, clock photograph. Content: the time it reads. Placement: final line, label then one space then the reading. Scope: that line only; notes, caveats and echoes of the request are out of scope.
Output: 7:29
